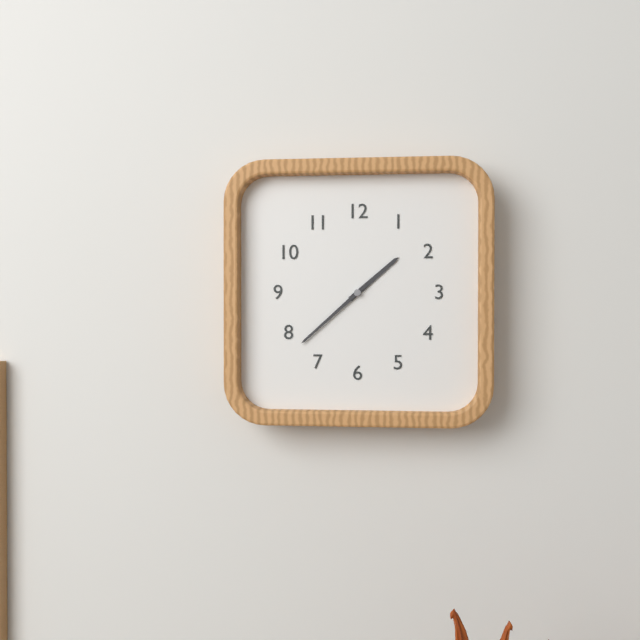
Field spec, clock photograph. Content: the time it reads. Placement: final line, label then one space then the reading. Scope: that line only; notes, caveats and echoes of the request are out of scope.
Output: 1:38
